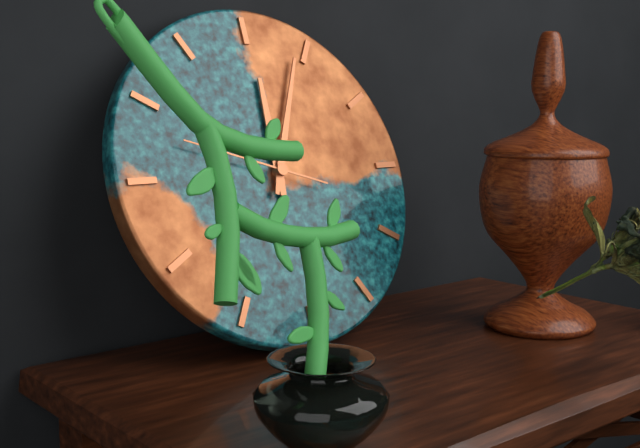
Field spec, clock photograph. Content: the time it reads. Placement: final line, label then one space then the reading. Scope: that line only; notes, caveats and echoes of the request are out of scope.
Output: 12:04:48
